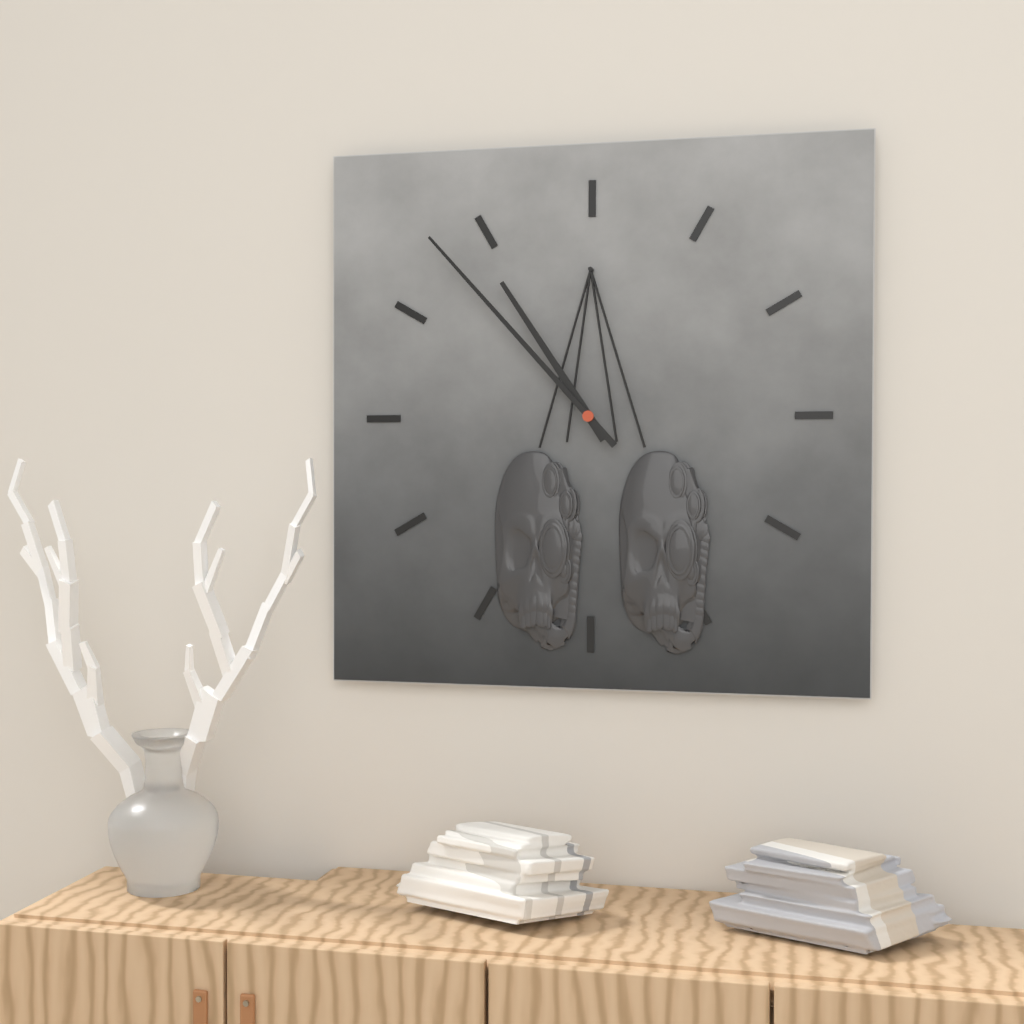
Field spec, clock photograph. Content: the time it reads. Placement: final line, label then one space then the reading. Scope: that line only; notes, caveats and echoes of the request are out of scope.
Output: 10:53
